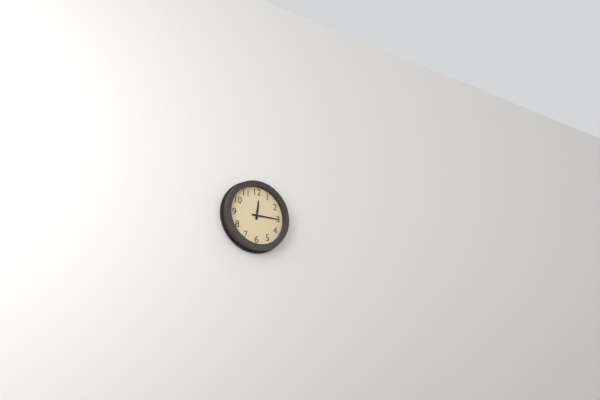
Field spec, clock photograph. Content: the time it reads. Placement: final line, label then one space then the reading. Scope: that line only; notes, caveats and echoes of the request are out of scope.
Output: 12:15
